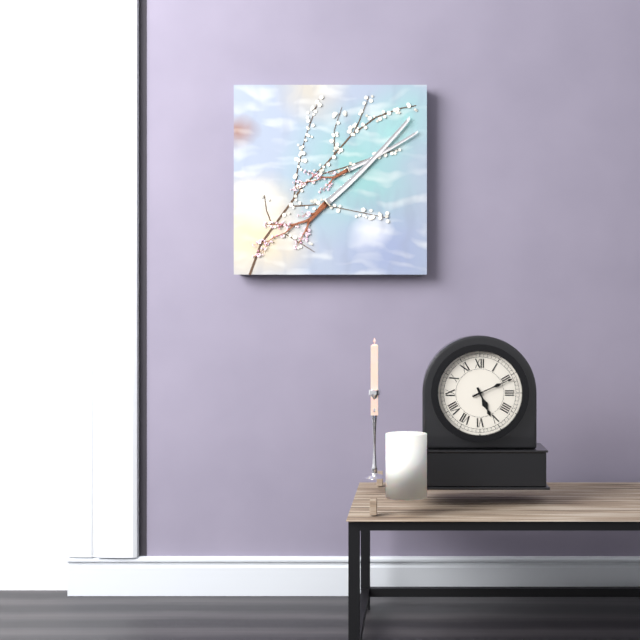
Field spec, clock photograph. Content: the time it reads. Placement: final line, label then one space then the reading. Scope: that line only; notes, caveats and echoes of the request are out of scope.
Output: 5:11
